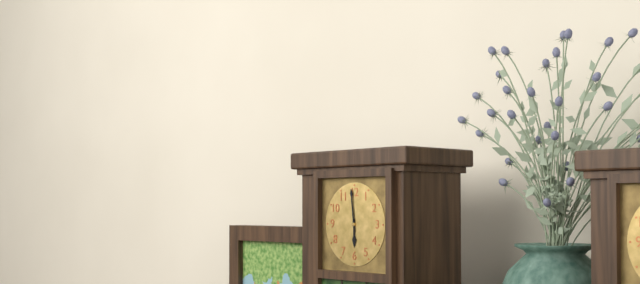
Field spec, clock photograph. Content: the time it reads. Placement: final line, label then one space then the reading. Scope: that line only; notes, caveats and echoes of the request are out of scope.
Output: 5:59
